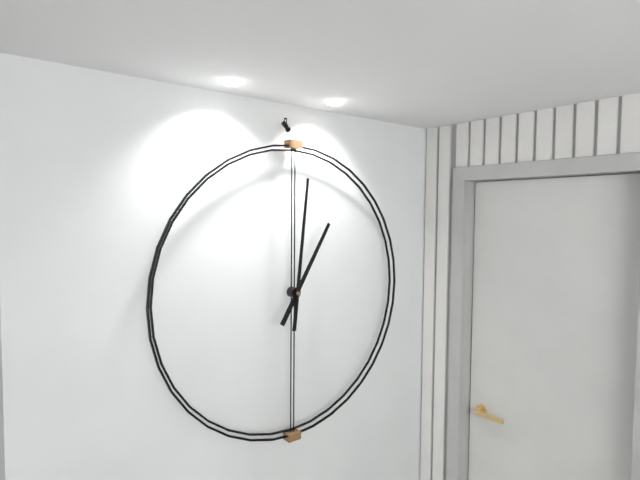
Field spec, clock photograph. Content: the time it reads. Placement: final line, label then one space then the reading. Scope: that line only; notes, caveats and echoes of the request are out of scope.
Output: 1:01
